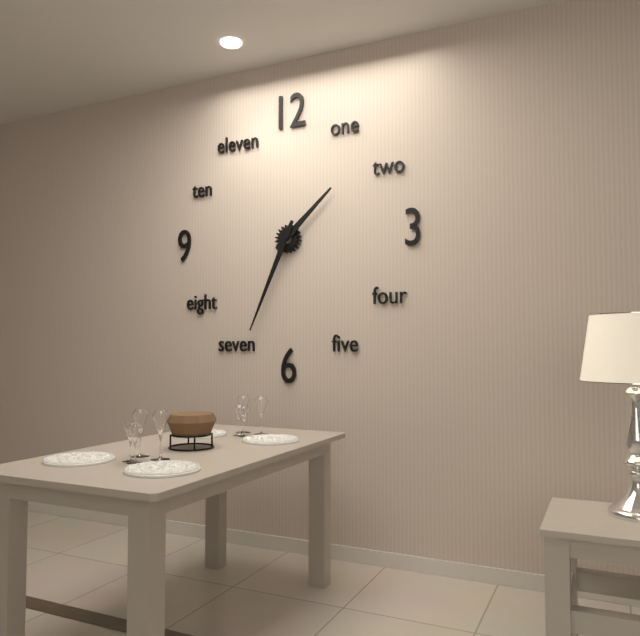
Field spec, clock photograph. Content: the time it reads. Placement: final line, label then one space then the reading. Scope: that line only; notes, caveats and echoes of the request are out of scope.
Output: 1:34
